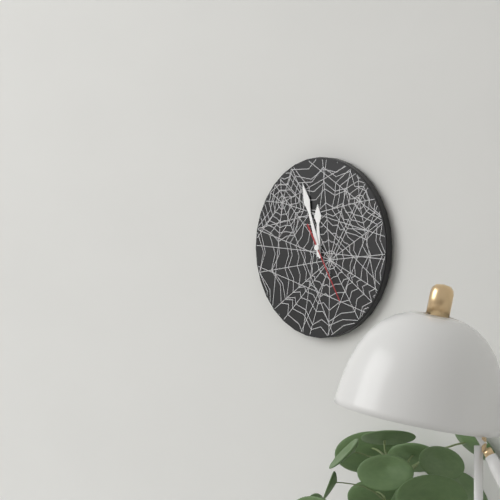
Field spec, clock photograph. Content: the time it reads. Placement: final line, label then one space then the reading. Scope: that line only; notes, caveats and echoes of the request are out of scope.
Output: 11:57:25
